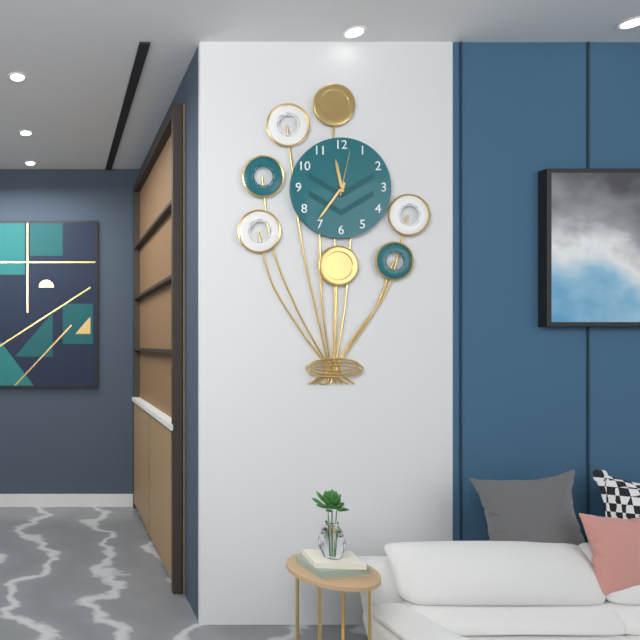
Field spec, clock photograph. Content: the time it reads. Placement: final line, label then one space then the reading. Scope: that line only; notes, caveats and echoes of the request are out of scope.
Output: 11:36
